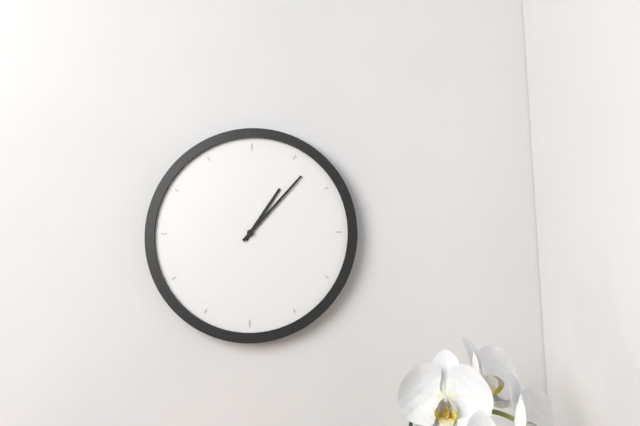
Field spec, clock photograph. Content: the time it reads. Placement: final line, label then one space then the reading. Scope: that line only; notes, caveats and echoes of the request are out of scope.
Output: 1:07
